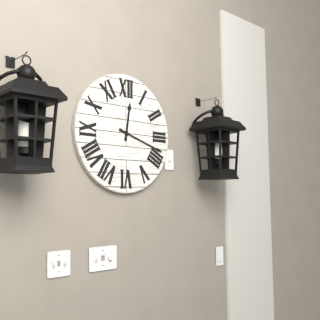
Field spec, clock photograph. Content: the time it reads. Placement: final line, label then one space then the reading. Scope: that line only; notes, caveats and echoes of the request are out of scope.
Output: 12:18
